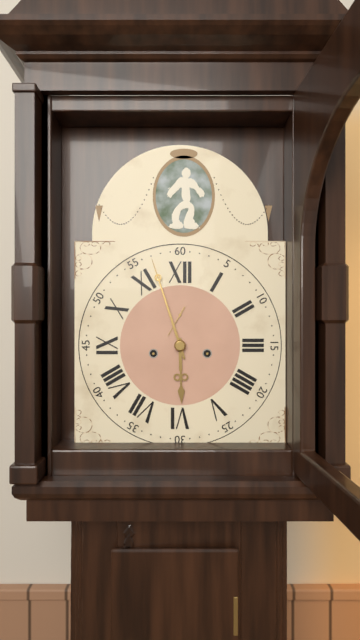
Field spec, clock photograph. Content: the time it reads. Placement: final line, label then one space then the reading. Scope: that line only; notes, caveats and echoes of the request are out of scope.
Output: 5:57
